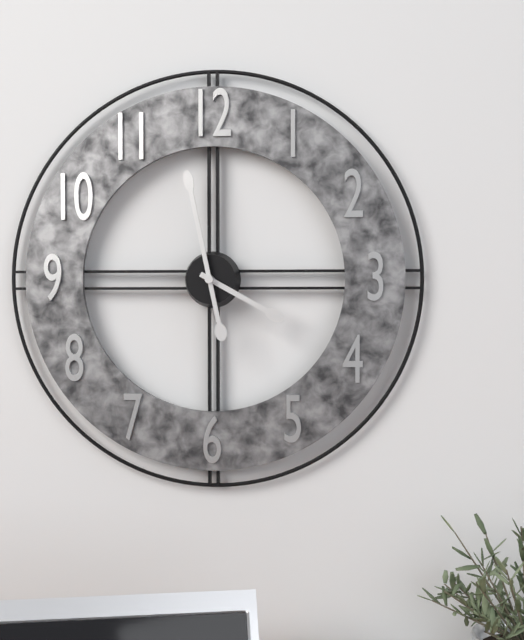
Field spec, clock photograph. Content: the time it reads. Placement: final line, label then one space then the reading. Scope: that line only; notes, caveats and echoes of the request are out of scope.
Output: 3:58
